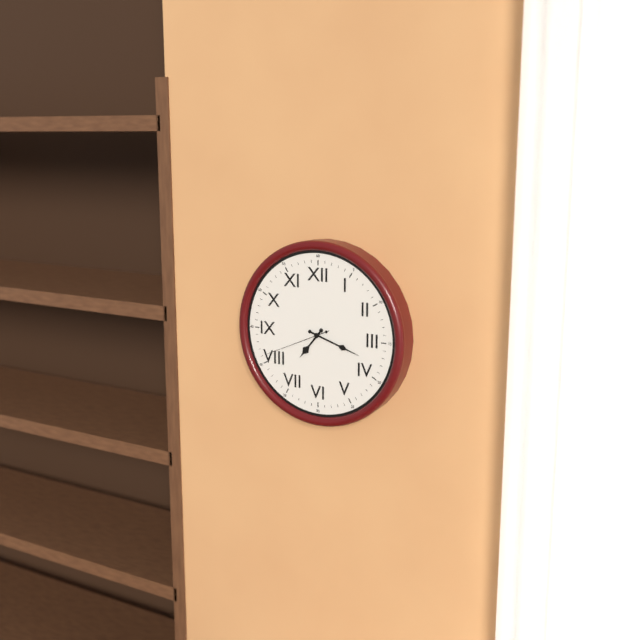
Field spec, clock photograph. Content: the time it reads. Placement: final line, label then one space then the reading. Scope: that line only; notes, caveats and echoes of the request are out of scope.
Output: 7:18:41
